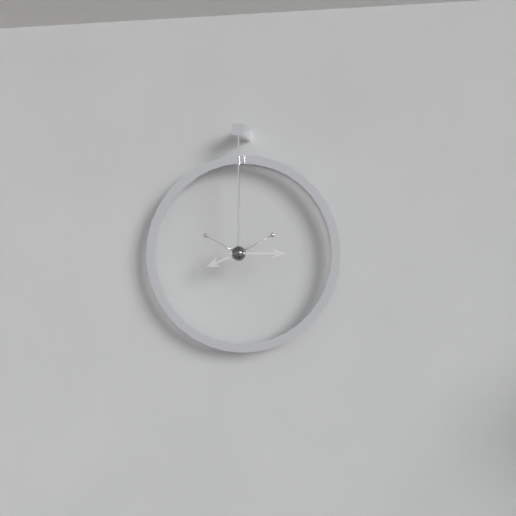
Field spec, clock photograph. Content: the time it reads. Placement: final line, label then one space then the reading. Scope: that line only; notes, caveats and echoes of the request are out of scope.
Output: 8:15
